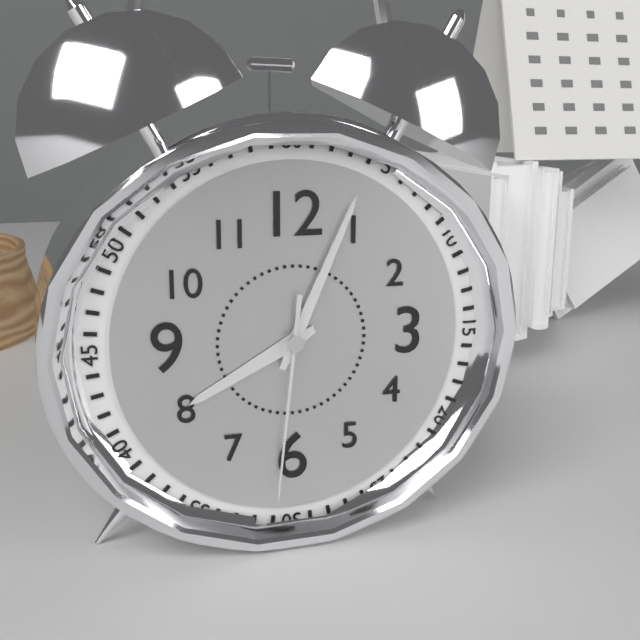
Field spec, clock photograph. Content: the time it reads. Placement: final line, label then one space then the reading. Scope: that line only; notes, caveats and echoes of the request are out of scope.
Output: 8:04:31
